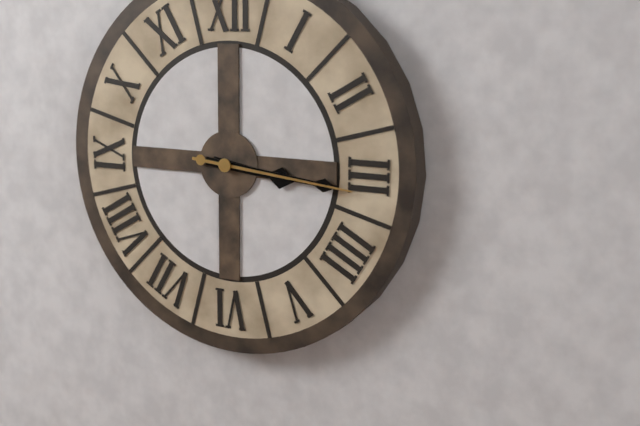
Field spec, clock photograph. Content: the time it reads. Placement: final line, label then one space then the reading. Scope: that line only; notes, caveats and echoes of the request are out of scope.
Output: 3:16:16
